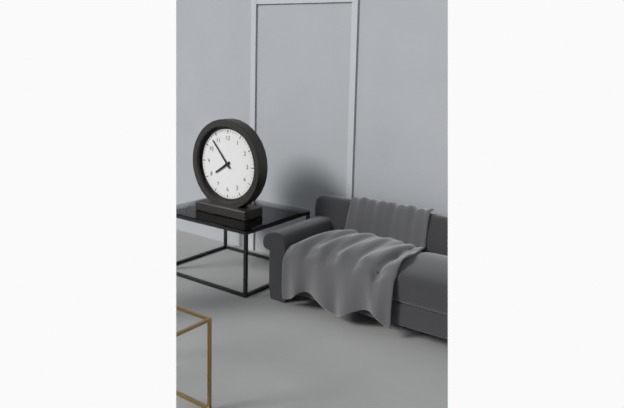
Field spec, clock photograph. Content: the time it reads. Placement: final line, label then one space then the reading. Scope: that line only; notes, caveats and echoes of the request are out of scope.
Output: 7:53
